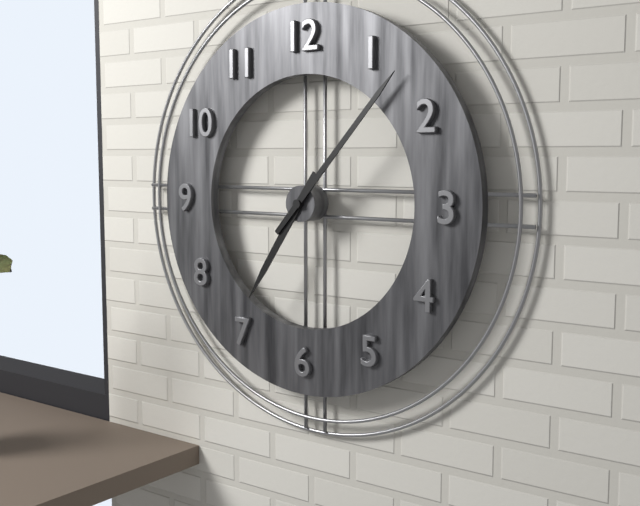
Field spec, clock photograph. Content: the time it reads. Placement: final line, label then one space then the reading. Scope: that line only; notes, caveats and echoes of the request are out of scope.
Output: 7:07
